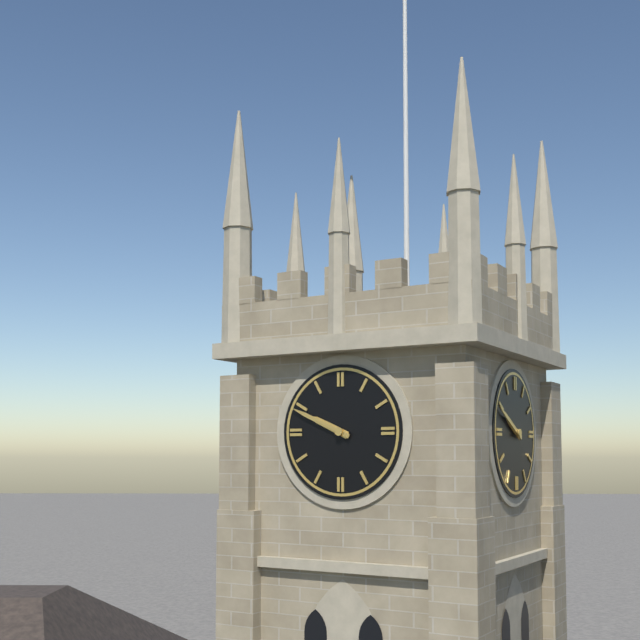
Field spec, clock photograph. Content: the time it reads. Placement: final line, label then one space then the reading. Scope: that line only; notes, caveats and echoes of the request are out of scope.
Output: 9:49
